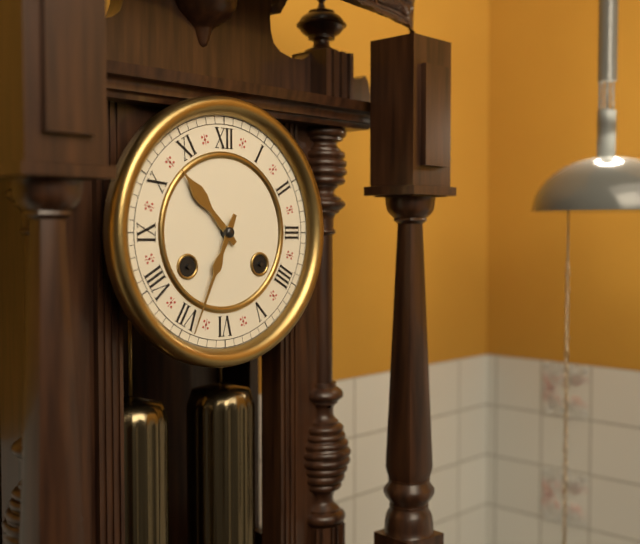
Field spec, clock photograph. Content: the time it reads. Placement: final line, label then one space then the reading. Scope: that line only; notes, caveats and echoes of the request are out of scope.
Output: 10:34
